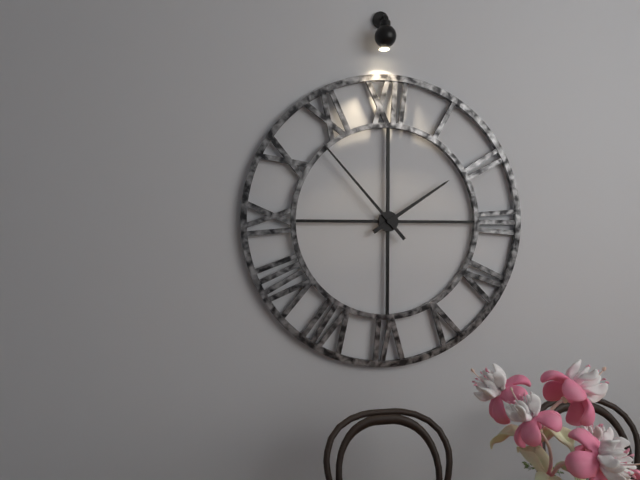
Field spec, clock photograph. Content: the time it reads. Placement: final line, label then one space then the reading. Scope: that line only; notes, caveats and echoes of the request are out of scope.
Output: 1:53
